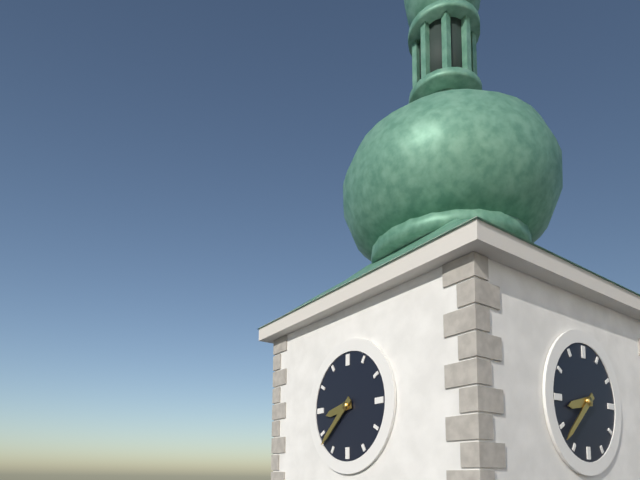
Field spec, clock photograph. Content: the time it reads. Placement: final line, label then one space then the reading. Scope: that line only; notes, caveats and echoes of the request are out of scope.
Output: 8:38
